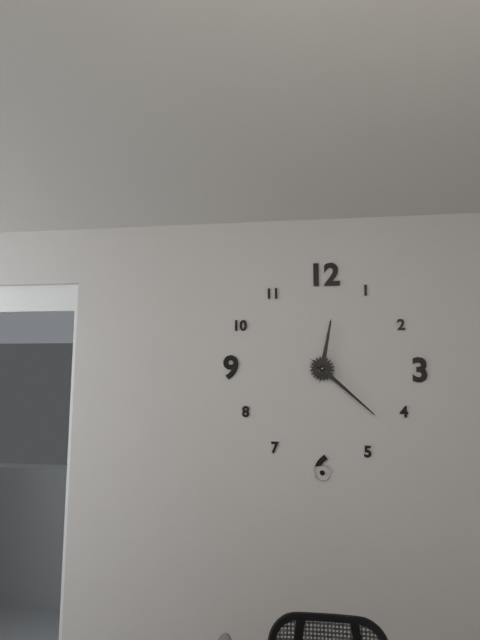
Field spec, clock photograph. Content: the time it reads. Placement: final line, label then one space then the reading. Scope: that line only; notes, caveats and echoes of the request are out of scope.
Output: 12:22
